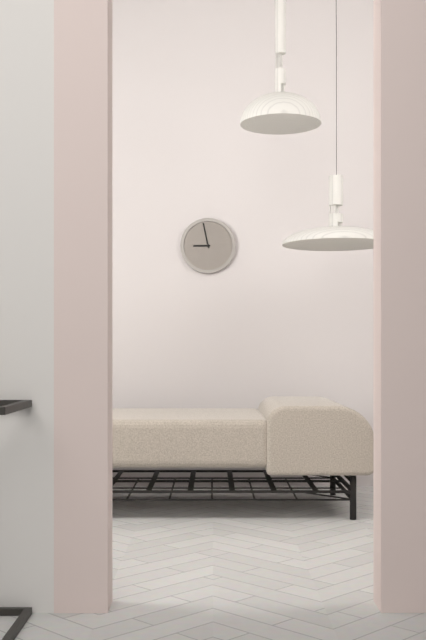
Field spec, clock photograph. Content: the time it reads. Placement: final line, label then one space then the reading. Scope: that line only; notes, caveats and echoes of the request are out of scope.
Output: 8:58
